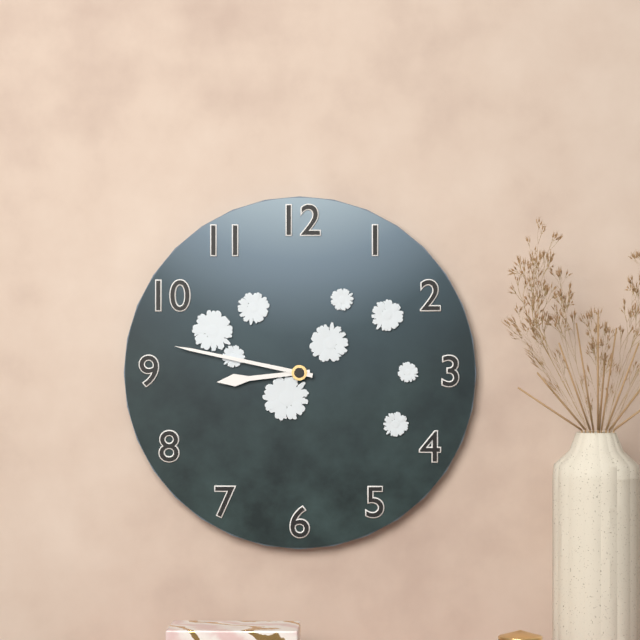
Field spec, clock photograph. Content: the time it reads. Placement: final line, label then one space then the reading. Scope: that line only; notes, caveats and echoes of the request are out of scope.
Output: 8:47
